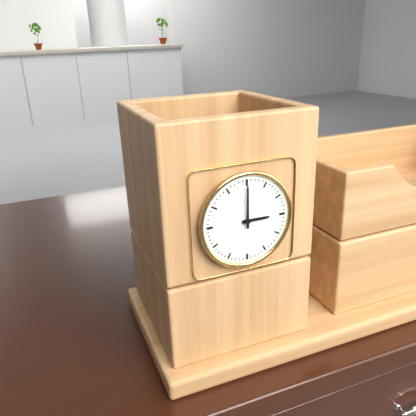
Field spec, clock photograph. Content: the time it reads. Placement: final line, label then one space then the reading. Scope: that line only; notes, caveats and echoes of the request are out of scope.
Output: 3:00
